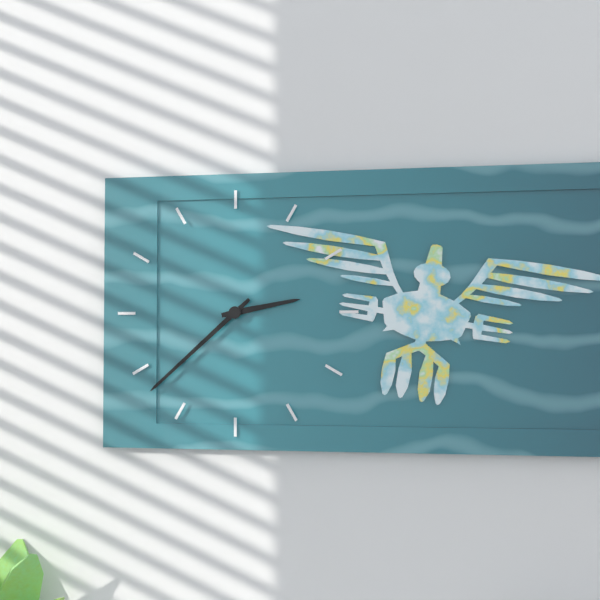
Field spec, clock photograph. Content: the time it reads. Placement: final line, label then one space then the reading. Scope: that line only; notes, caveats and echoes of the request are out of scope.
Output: 2:38
